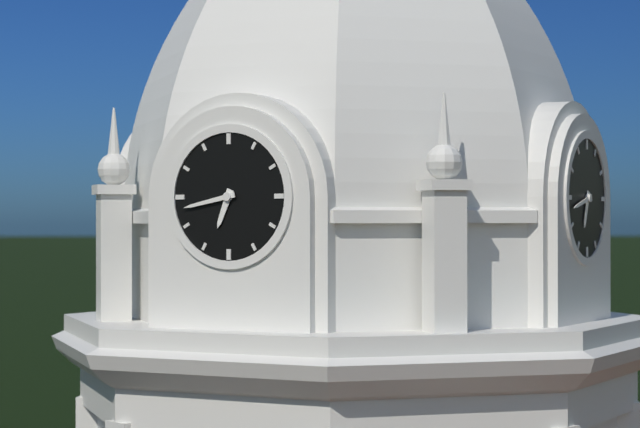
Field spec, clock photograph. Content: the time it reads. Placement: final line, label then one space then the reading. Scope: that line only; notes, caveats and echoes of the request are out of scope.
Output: 6:43
